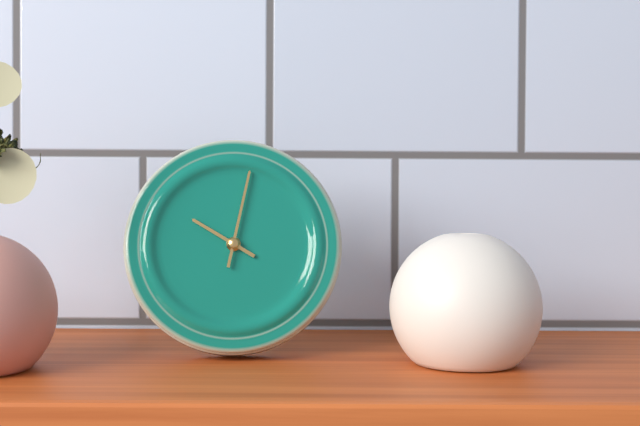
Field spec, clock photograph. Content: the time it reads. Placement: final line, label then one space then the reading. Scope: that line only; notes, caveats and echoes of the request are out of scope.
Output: 10:02
